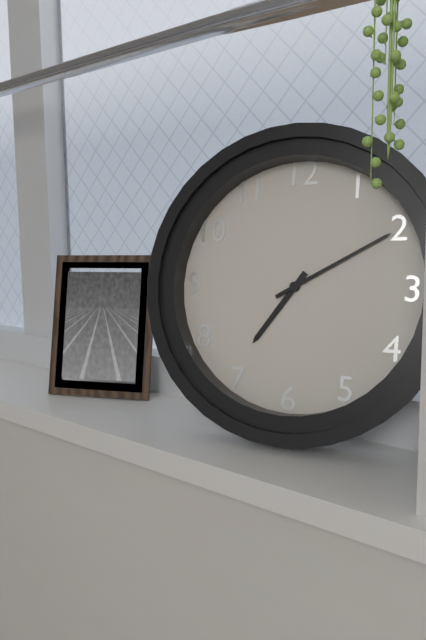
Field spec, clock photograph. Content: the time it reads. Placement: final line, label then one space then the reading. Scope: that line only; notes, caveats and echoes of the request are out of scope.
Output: 7:10
